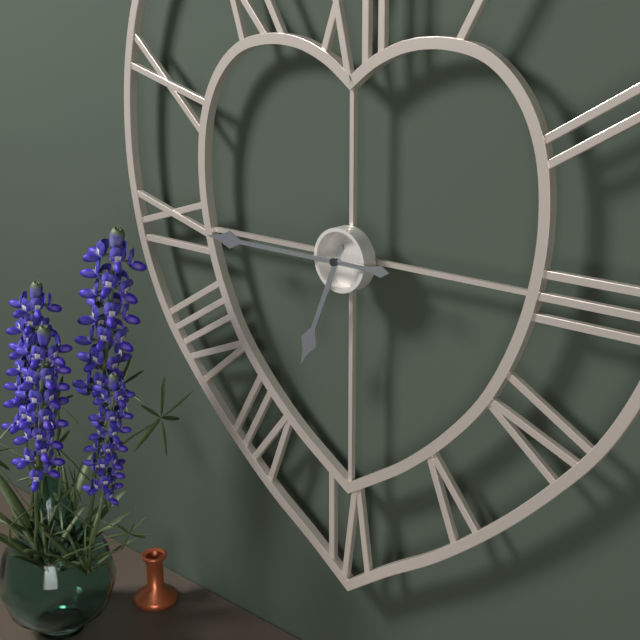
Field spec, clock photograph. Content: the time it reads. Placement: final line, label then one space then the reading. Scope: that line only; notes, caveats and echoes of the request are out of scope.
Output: 6:45
